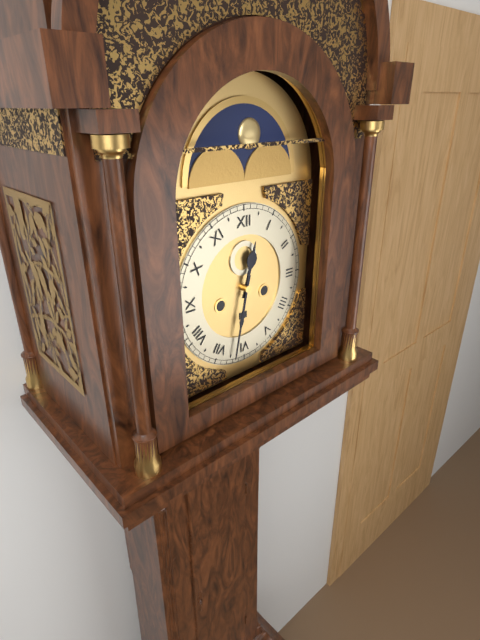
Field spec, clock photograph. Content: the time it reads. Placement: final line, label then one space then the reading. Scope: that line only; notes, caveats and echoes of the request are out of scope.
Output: 12:32
